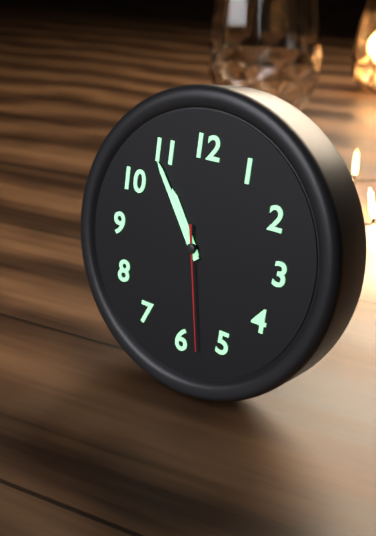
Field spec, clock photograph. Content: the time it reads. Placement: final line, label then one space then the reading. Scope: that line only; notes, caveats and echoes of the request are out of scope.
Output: 10:54:28
